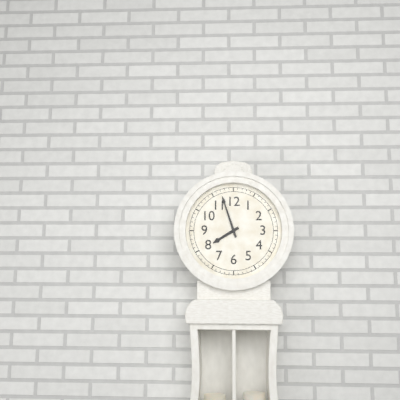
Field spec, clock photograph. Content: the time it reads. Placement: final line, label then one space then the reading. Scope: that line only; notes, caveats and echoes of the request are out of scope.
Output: 7:57
